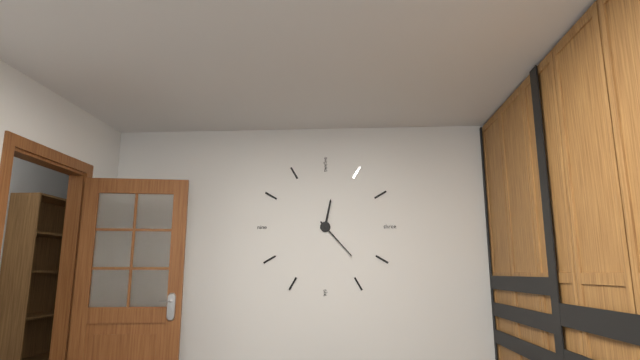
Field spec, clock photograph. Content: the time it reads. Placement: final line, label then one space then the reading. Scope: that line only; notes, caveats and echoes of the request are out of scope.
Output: 12:23
